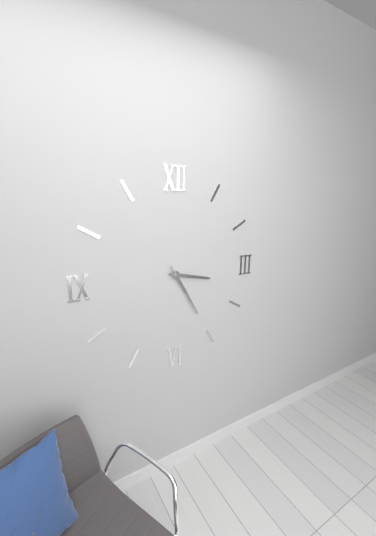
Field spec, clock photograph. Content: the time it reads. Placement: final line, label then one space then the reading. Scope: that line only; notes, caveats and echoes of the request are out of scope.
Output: 3:25
